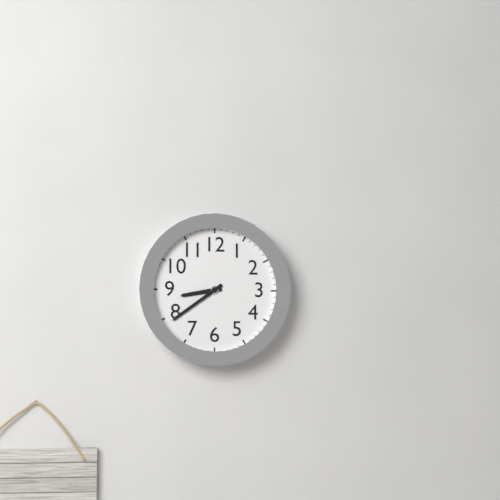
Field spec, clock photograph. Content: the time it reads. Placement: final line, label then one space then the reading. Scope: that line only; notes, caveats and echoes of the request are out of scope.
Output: 8:39
